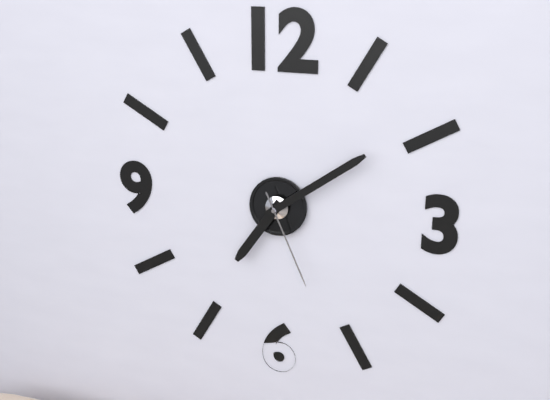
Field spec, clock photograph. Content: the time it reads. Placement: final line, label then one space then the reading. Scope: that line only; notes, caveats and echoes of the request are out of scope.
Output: 7:09:26
